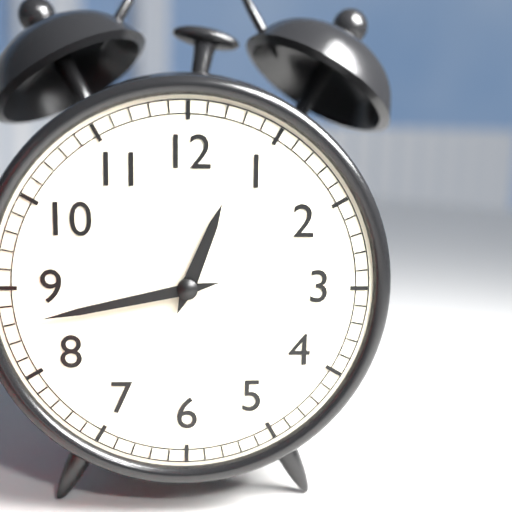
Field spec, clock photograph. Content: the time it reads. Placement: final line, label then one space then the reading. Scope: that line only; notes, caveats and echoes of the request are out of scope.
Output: 12:43
